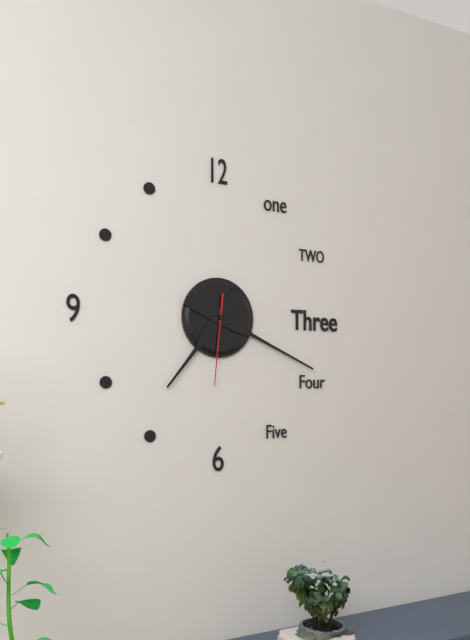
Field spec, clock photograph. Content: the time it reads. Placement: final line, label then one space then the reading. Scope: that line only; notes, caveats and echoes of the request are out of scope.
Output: 7:19:31
